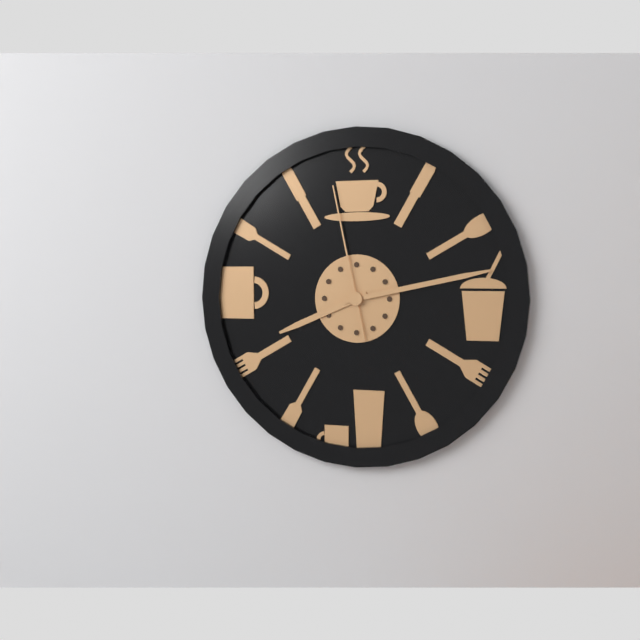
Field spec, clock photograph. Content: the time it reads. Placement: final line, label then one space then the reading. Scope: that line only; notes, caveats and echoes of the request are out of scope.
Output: 8:13:58
